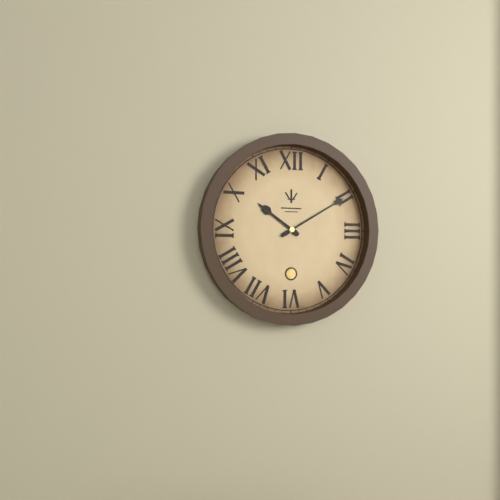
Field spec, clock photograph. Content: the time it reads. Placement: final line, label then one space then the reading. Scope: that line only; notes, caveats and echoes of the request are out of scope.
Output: 10:10
